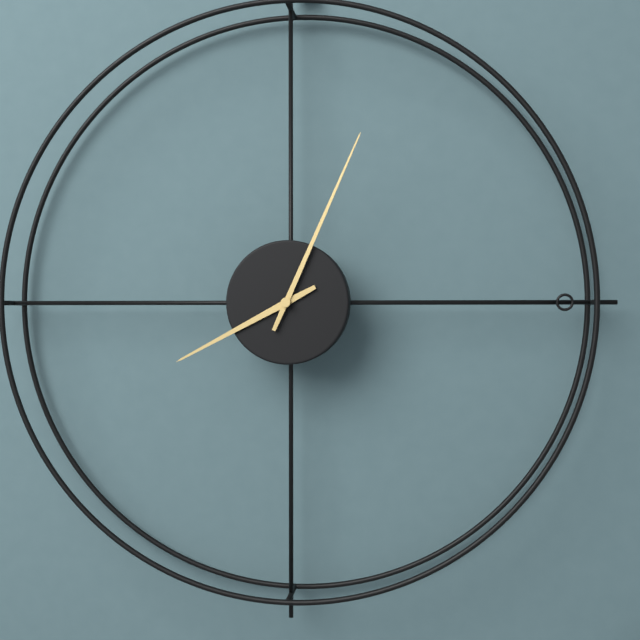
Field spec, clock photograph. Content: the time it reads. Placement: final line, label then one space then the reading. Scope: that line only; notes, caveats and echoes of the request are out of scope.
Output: 8:04
